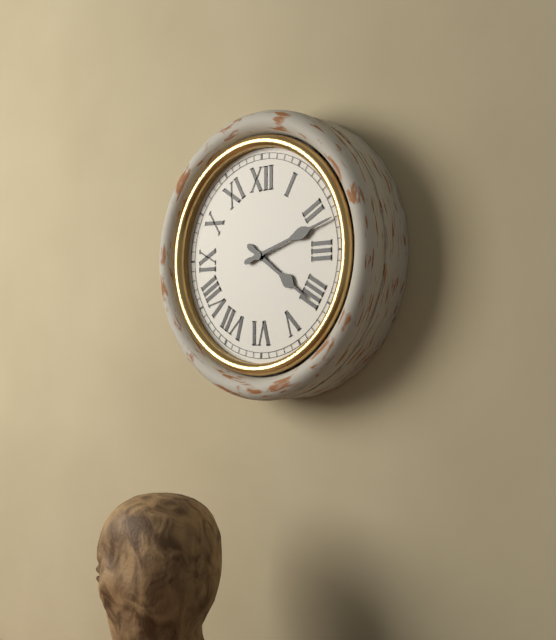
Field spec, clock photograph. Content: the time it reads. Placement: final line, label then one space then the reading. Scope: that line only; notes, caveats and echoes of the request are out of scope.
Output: 4:12
